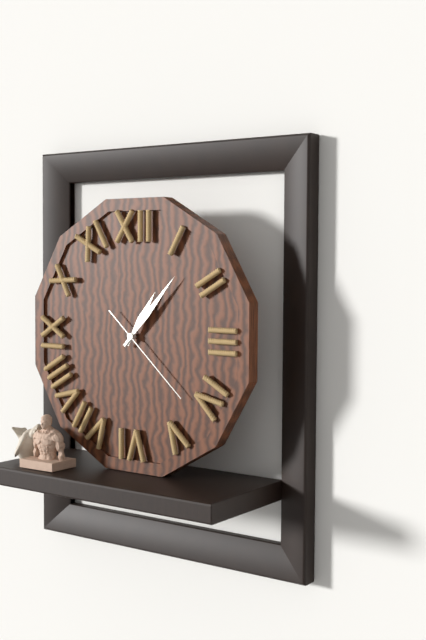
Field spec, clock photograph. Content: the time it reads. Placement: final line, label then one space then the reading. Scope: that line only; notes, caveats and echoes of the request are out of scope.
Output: 1:07:22
